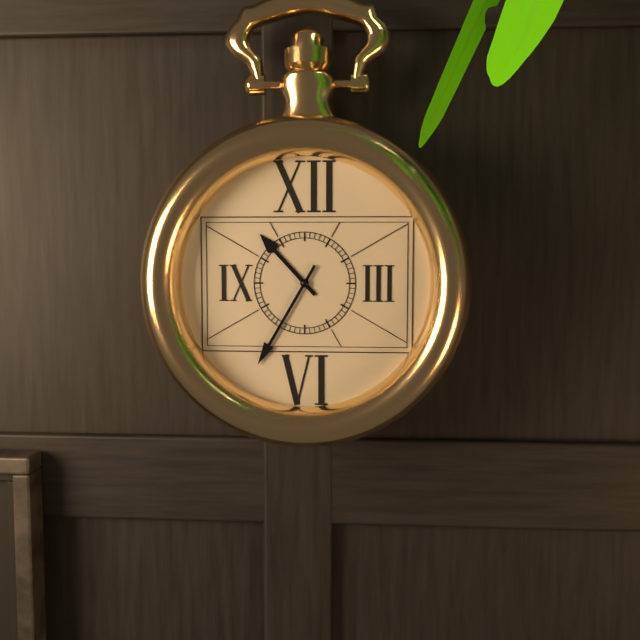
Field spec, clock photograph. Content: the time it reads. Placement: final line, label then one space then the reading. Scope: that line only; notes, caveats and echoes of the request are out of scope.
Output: 10:35
